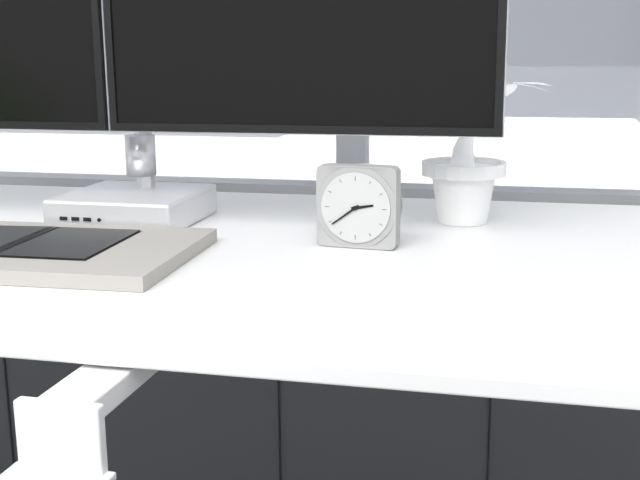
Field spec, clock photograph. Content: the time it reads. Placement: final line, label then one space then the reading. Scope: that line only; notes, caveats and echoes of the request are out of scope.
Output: 2:39
